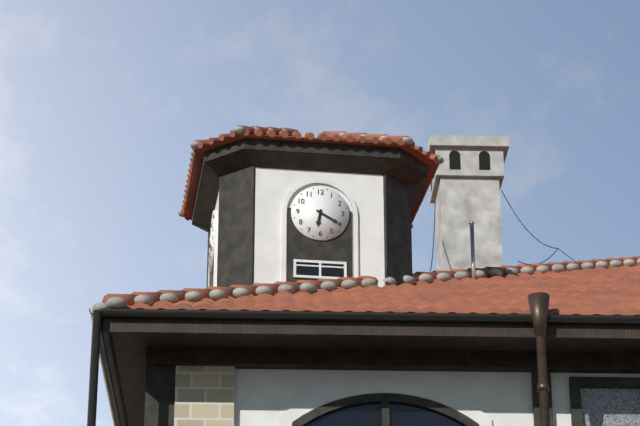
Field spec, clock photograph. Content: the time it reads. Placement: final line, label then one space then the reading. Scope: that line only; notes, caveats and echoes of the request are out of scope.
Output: 6:20
